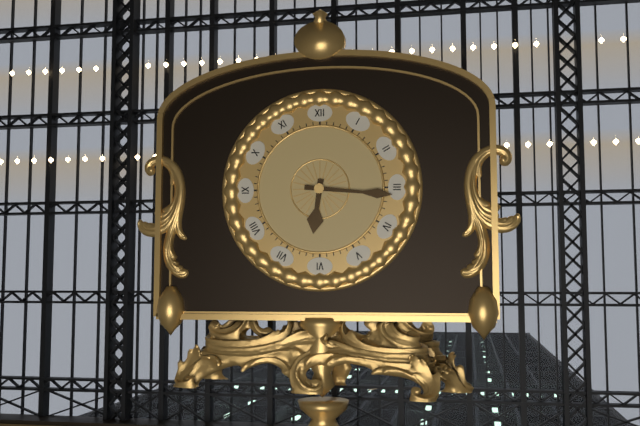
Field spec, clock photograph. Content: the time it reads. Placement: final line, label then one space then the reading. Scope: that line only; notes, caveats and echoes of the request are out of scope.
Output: 6:16
